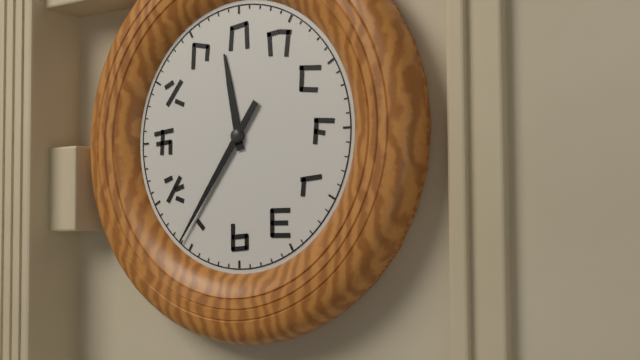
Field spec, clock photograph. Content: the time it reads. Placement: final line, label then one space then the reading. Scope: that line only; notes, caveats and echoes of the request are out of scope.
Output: 11:36
